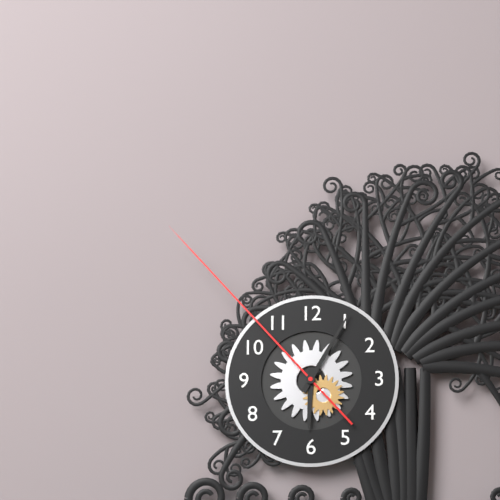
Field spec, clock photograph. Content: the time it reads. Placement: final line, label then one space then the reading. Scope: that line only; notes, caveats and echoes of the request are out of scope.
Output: 6:05:53
